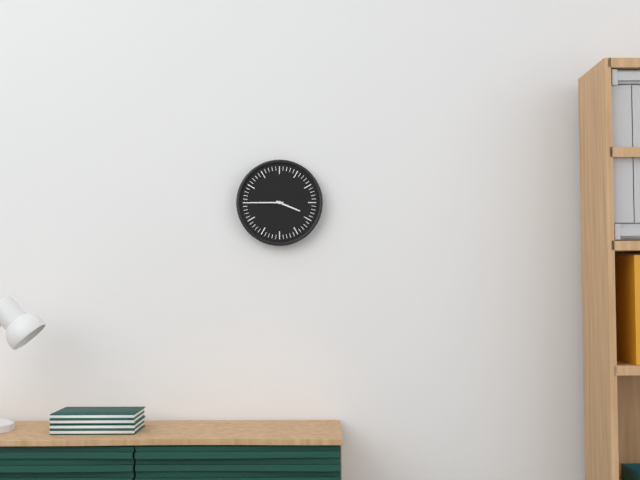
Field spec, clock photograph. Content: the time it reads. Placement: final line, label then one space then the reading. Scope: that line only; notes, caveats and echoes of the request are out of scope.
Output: 3:45
